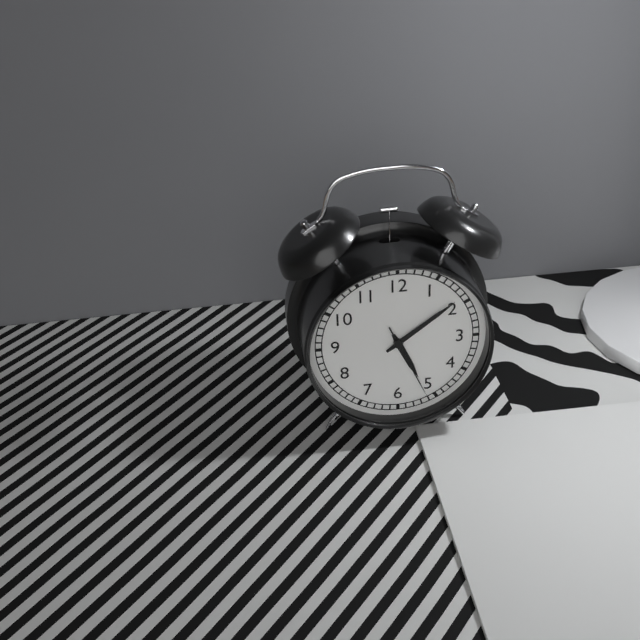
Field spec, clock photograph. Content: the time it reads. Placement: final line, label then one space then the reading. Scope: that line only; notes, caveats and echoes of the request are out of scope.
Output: 5:09:26
